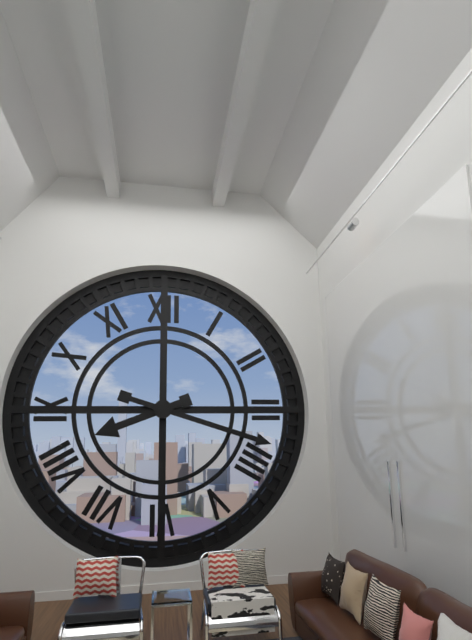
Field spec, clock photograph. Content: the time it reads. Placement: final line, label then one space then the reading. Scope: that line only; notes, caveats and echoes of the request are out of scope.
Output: 8:18
